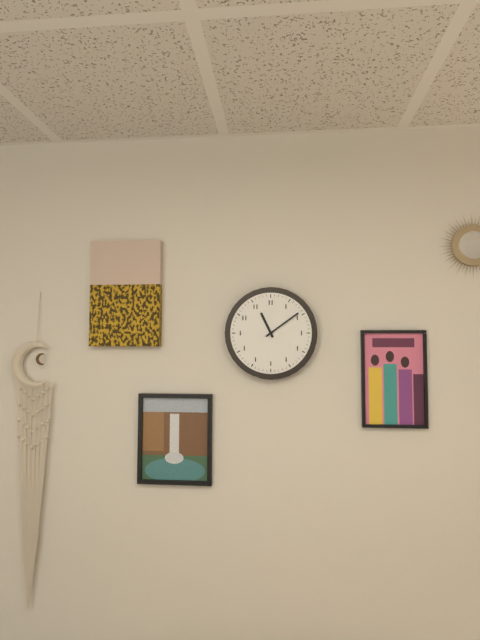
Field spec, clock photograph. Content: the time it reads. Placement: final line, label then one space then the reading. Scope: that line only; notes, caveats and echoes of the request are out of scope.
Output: 11:09
